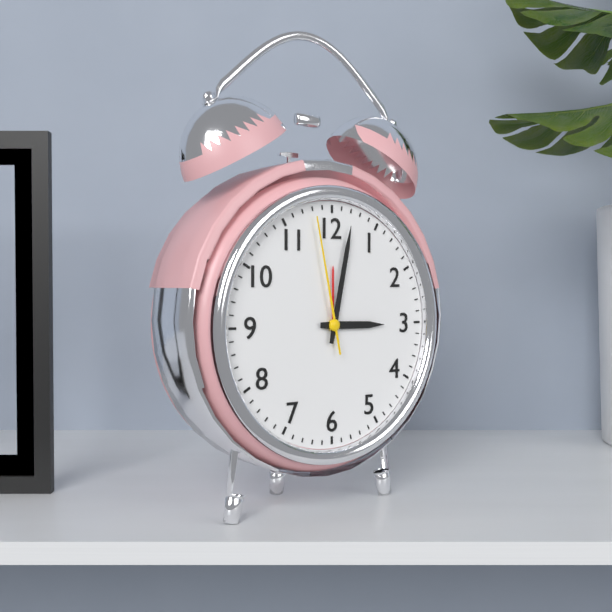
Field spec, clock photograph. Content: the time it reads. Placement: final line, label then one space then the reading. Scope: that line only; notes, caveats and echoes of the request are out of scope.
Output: 3:02:58
